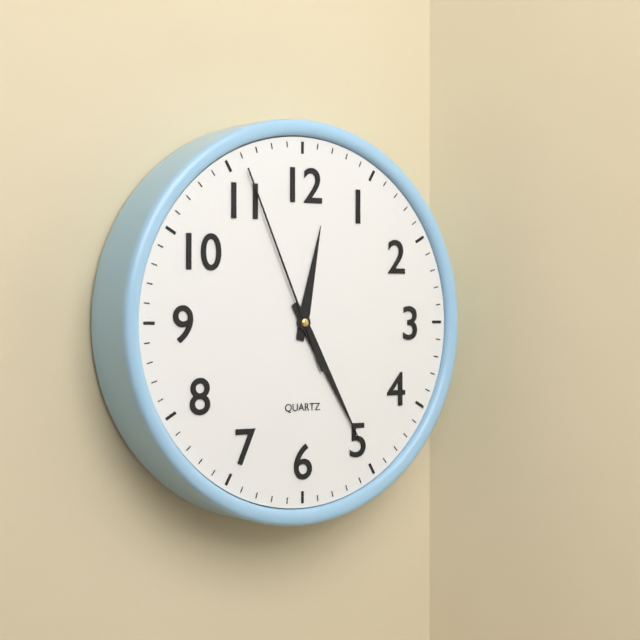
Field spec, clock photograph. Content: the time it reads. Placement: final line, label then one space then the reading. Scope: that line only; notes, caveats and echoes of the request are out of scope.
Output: 12:25:56
